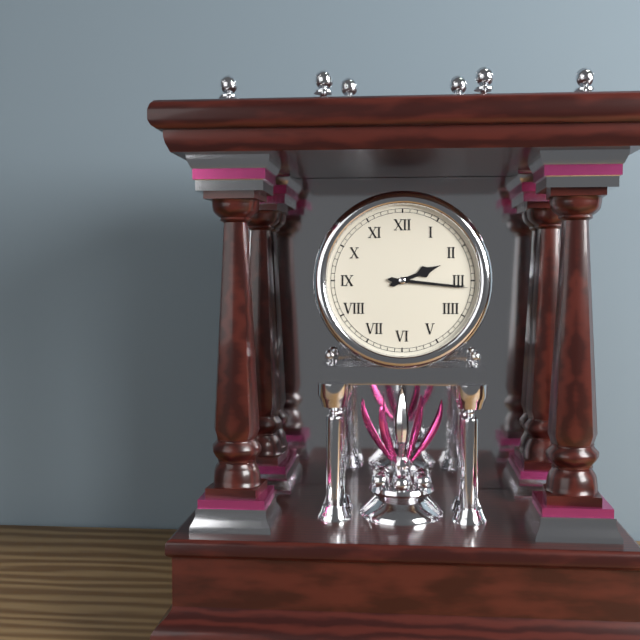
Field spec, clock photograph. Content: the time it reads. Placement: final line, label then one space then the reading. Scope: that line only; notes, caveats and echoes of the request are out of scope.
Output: 2:16
